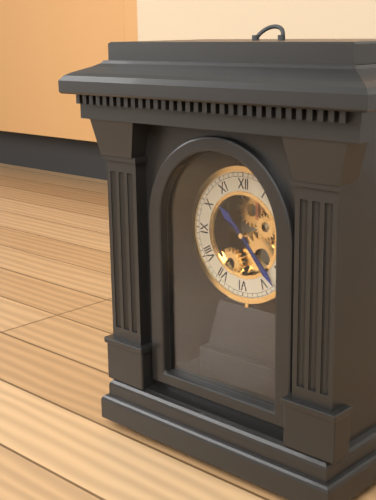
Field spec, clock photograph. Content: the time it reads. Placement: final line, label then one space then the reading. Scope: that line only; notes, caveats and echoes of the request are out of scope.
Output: 10:23
